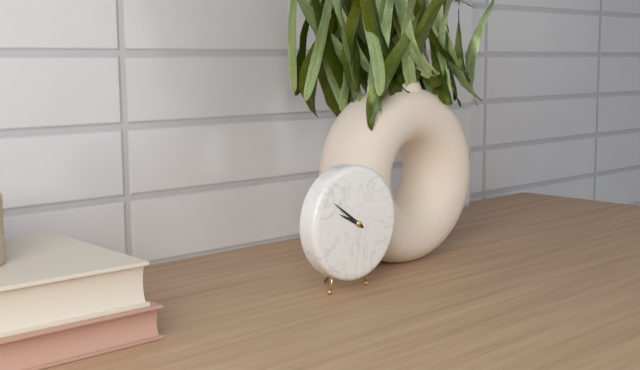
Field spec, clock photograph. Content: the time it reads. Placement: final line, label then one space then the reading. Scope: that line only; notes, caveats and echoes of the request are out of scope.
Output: 9:51
